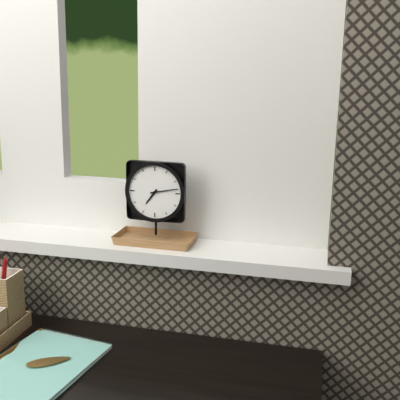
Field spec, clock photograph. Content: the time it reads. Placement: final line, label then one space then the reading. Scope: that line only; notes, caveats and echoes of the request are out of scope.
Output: 7:13
